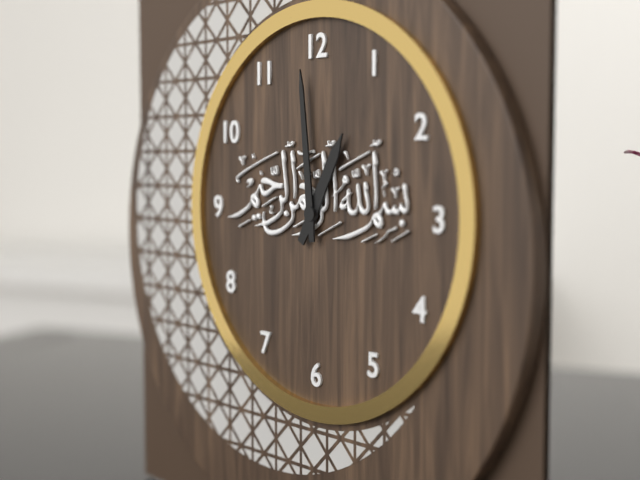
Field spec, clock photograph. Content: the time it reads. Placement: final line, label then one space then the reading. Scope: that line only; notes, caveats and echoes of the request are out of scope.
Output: 12:59
